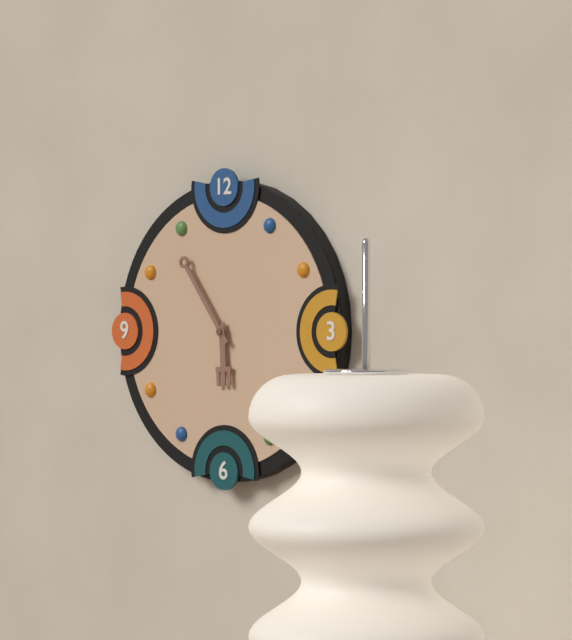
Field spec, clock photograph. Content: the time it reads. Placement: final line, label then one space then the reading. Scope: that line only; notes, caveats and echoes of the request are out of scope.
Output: 5:54
